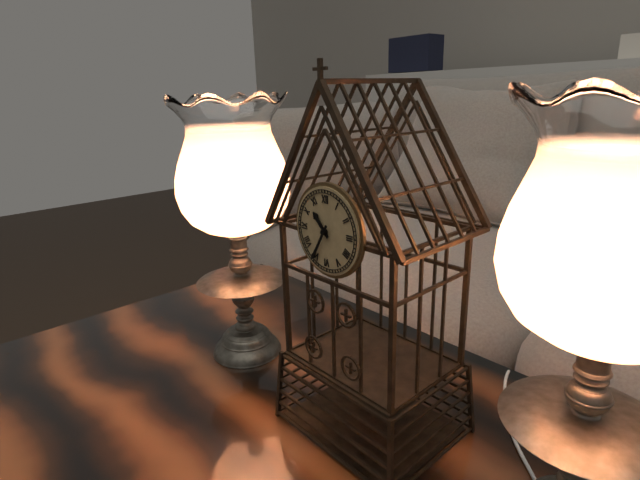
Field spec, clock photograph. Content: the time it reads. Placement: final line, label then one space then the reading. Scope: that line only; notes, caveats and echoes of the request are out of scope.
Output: 10:35
